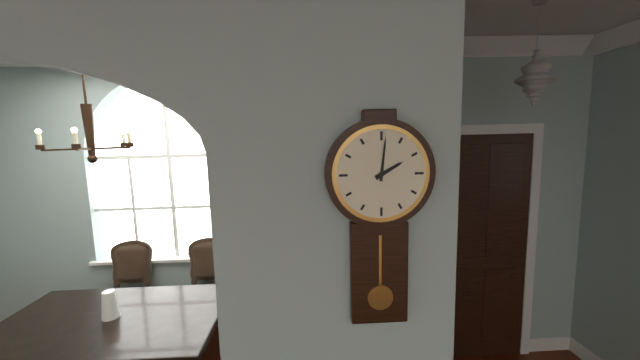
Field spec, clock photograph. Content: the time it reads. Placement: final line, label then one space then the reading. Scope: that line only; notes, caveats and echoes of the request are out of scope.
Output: 2:01
